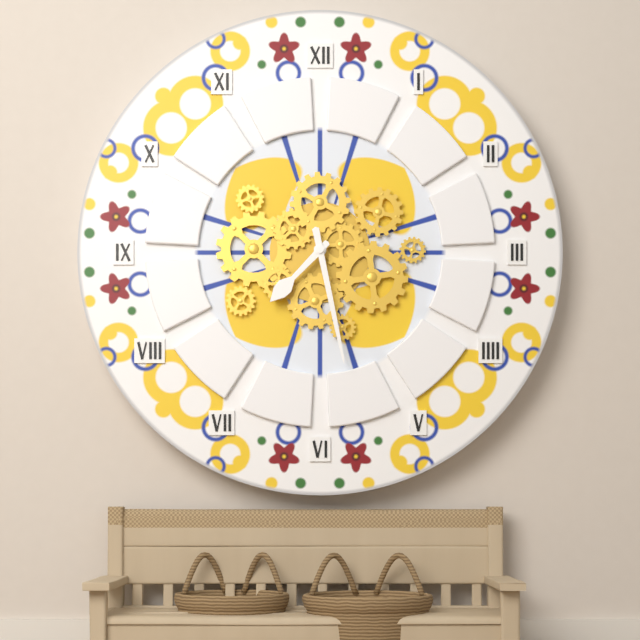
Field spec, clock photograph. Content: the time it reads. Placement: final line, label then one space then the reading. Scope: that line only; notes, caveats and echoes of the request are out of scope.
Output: 7:28
